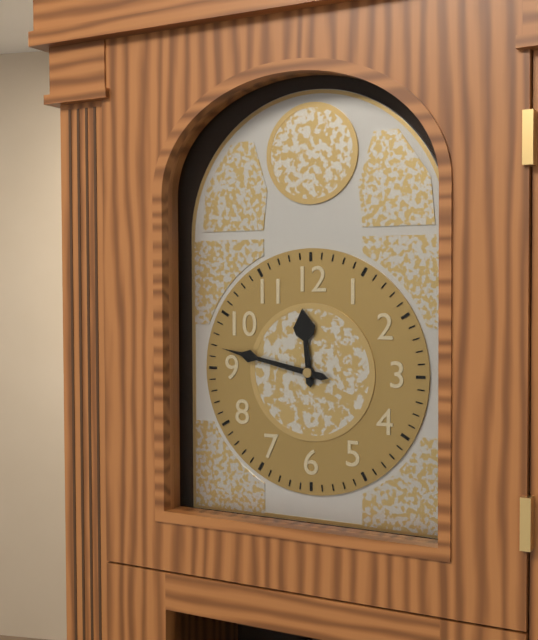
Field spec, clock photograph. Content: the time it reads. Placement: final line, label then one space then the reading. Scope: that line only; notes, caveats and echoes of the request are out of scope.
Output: 11:47
